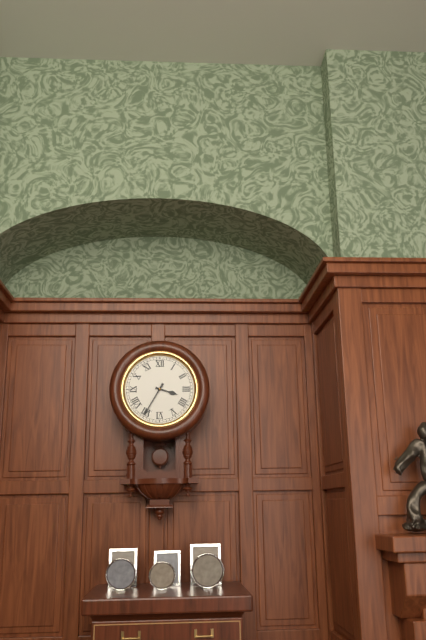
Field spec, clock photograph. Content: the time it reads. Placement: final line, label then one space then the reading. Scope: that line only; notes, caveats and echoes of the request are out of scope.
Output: 3:35
